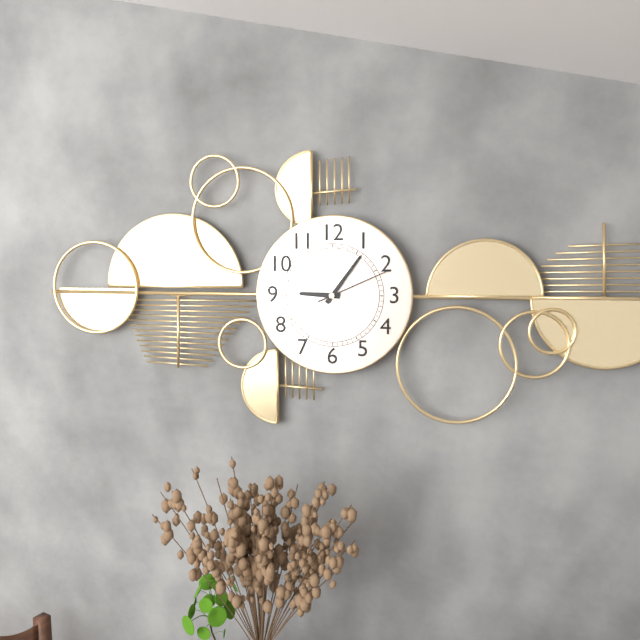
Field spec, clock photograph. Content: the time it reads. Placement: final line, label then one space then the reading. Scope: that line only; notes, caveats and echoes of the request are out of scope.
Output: 9:06:11
